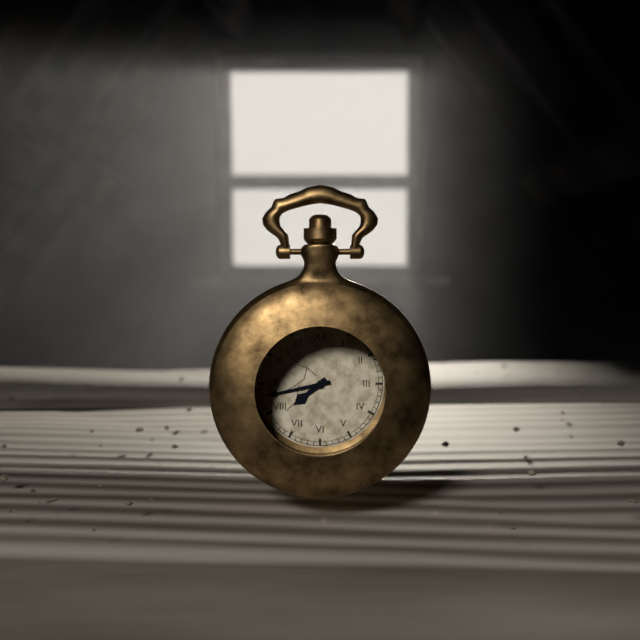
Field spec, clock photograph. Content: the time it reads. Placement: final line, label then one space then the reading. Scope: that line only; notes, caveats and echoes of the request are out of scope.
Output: 7:43
